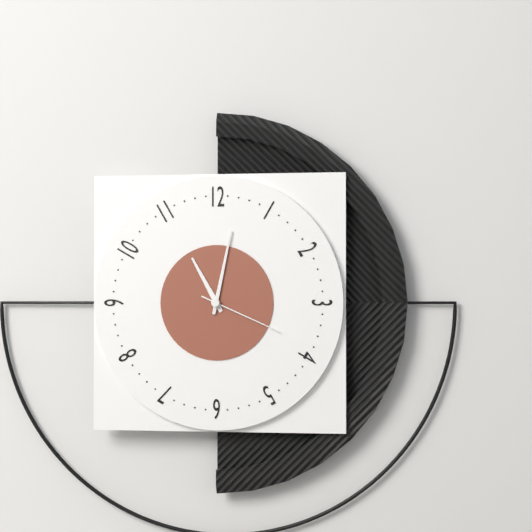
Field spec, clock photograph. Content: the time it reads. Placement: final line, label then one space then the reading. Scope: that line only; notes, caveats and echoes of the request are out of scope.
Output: 11:02:19
